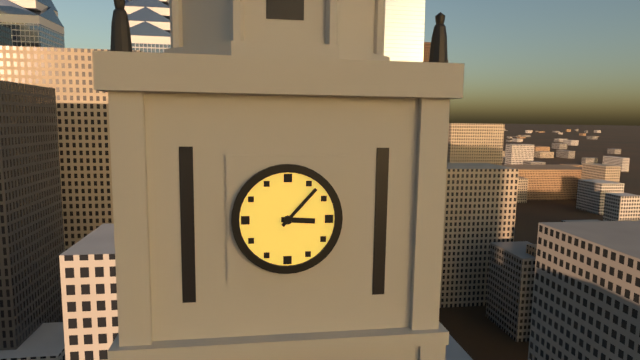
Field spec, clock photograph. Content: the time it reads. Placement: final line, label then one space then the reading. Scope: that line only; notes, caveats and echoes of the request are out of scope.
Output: 3:07
